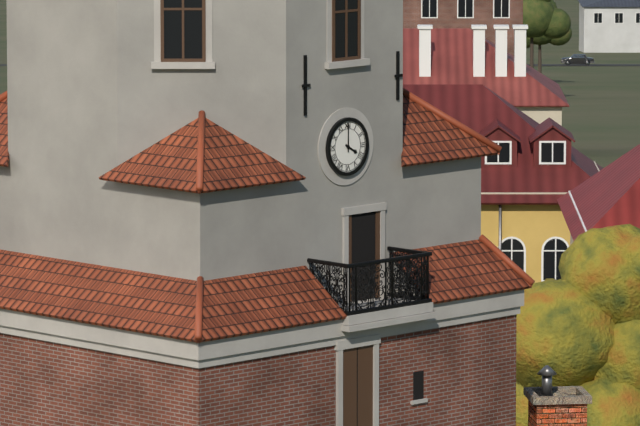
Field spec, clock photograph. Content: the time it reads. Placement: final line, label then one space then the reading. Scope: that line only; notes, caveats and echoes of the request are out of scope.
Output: 4:00
